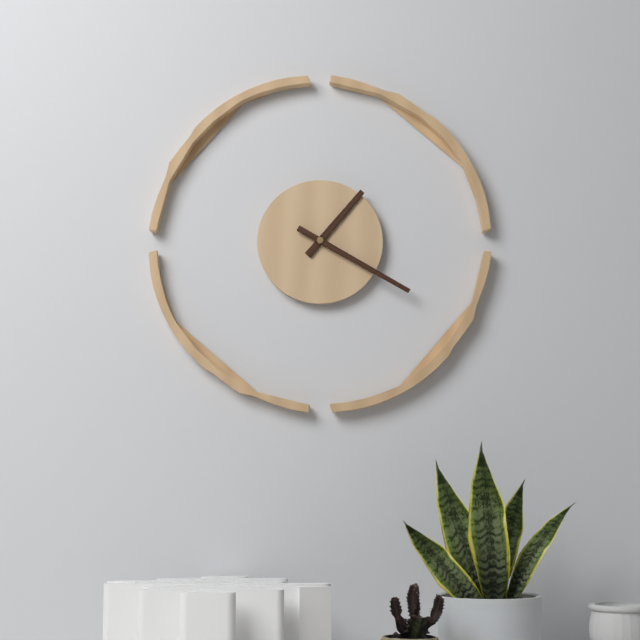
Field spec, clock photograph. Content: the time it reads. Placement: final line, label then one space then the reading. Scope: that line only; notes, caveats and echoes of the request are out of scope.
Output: 1:20
